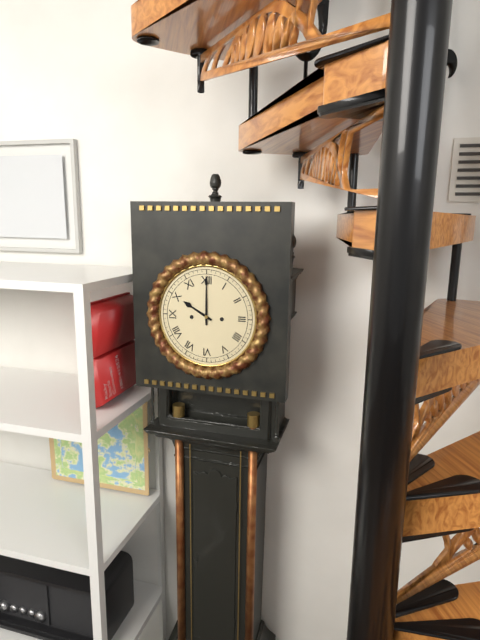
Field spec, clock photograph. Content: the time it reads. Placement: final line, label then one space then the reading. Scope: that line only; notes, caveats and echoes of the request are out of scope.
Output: 10:00
